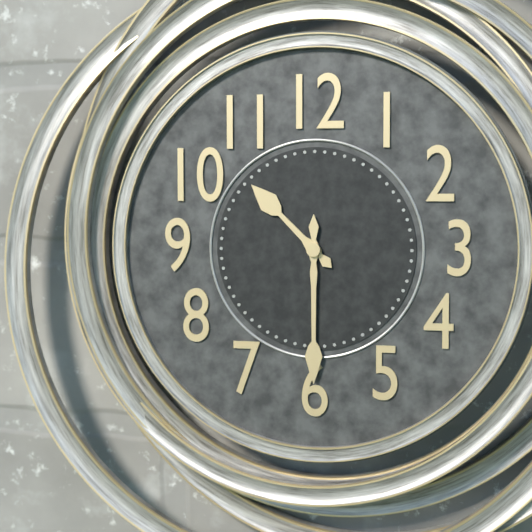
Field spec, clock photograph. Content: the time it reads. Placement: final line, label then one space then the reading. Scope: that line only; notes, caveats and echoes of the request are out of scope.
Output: 10:30
